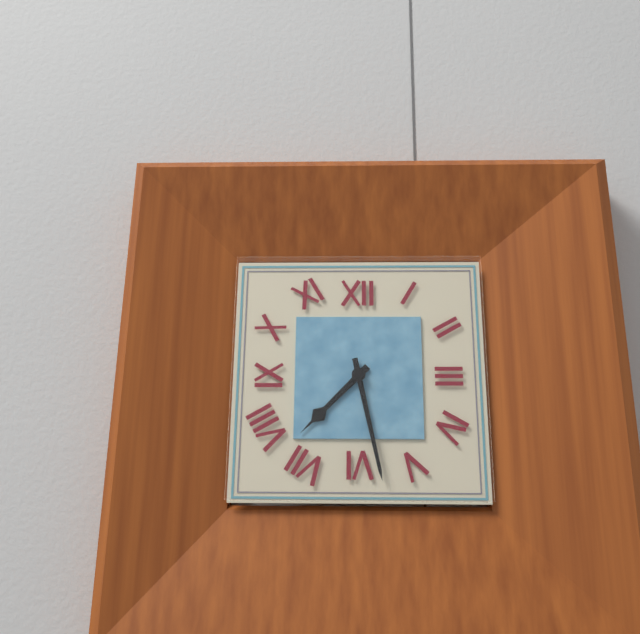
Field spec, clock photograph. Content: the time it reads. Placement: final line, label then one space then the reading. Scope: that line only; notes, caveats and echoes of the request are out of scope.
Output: 7:28
